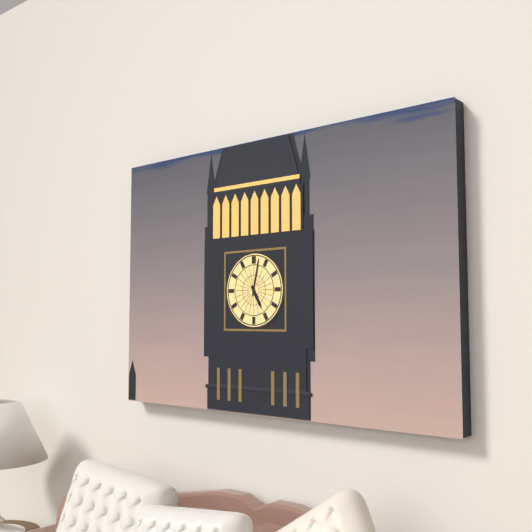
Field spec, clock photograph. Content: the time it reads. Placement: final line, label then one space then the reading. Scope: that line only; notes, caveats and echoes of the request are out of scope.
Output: 5:02
